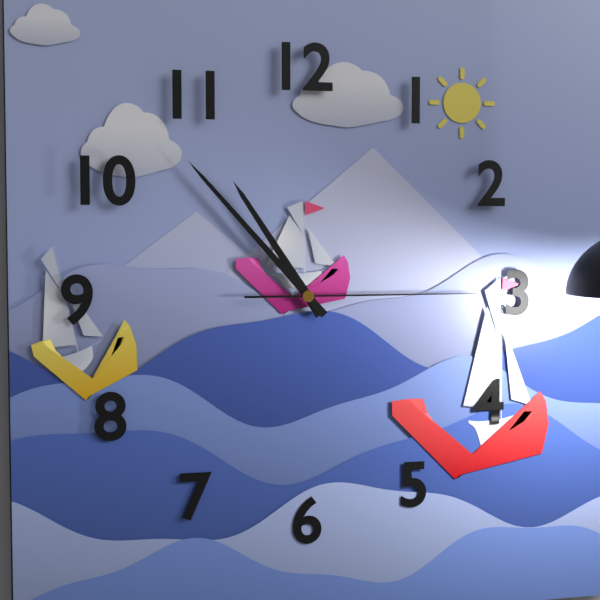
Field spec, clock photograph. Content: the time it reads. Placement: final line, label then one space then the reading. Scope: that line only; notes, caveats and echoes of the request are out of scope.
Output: 10:53:15
